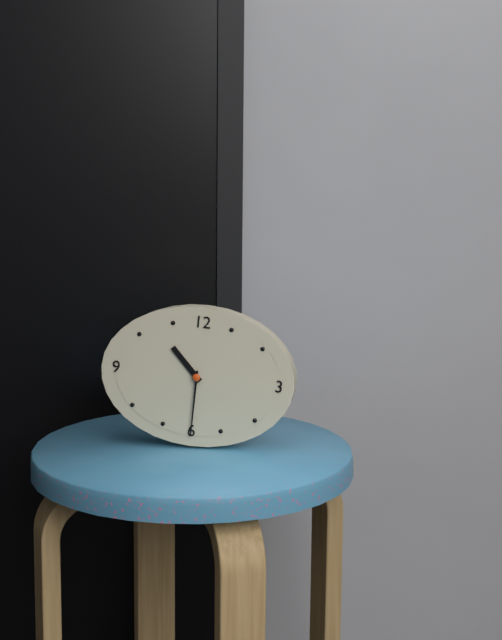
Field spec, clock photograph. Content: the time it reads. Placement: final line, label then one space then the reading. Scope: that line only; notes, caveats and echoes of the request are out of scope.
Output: 10:30
